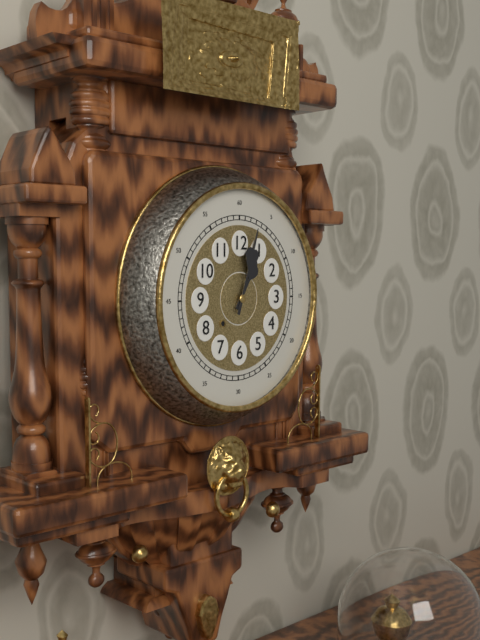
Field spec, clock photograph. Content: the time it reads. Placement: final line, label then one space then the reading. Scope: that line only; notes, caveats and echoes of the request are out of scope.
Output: 1:03
